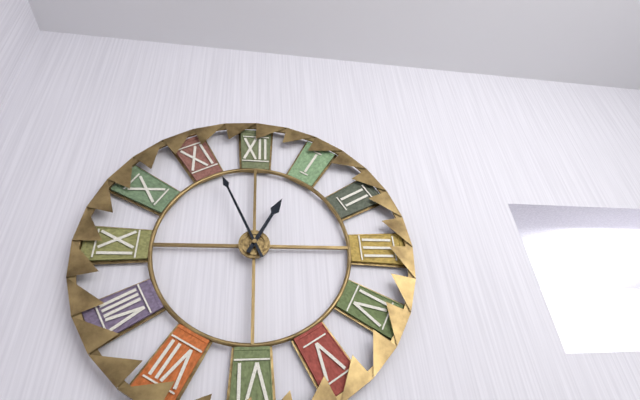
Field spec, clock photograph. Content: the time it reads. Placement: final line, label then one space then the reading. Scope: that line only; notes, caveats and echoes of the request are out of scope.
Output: 12:56
